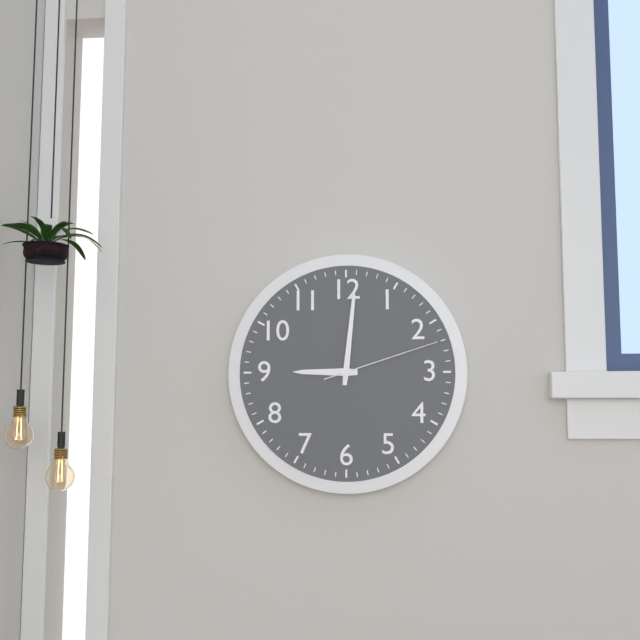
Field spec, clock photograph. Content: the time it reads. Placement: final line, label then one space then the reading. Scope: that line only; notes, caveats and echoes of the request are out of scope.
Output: 9:01:12
